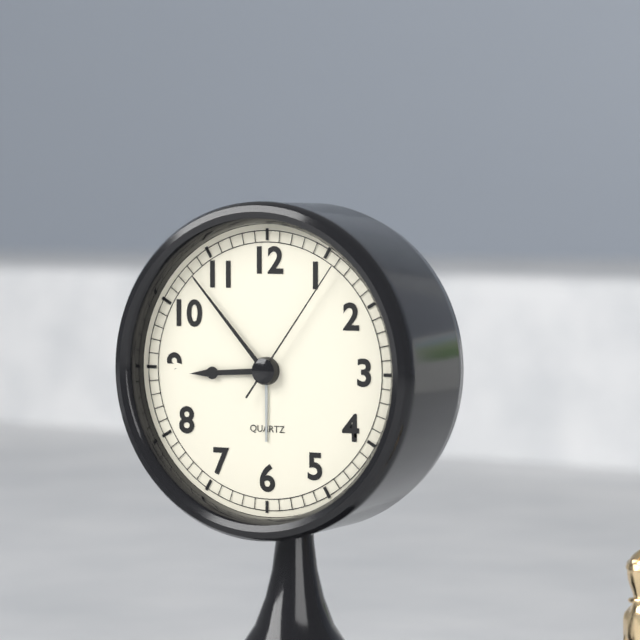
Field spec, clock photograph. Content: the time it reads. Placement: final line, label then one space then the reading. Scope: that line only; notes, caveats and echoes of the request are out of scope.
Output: 8:53:06
